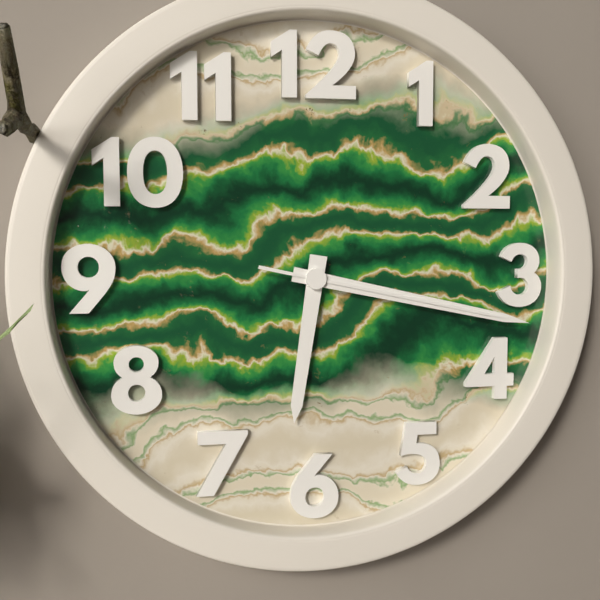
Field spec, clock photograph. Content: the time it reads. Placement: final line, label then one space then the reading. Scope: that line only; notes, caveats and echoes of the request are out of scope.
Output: 6:17:17
